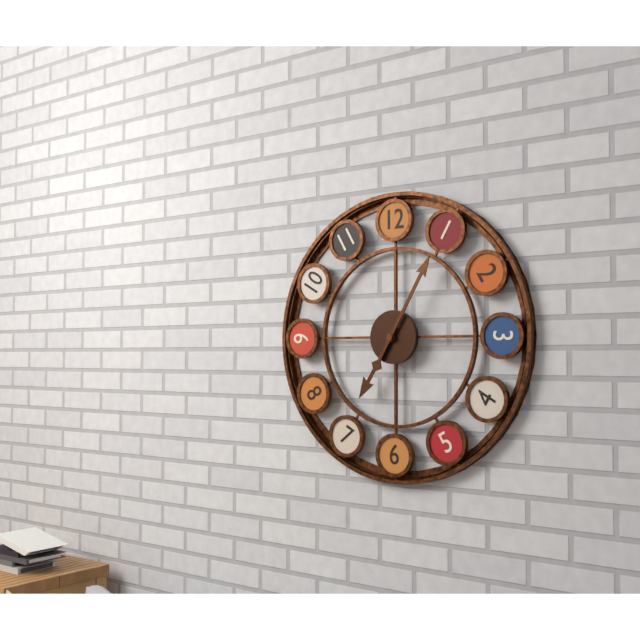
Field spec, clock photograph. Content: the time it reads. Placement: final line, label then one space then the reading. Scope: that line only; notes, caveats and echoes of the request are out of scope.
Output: 7:05
